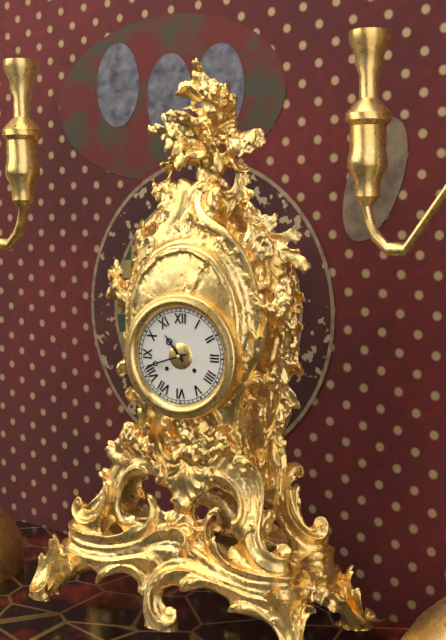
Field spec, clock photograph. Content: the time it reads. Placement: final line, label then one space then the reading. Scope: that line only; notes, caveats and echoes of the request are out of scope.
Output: 10:42
